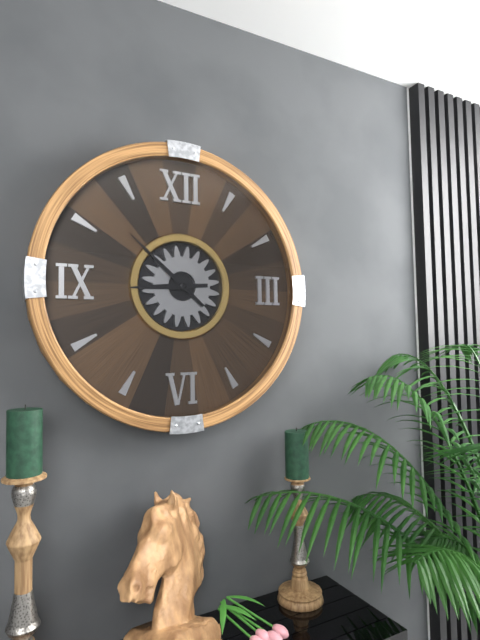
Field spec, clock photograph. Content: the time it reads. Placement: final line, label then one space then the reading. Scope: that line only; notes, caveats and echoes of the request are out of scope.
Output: 8:52
